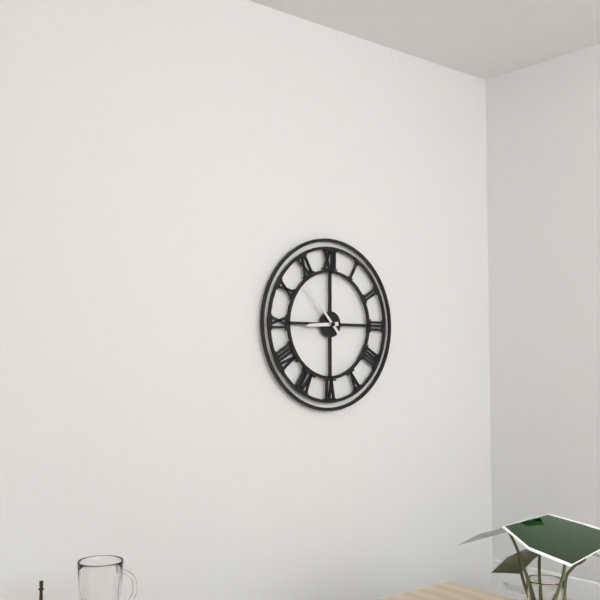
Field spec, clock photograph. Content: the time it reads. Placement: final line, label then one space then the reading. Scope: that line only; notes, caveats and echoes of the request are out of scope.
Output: 8:53
